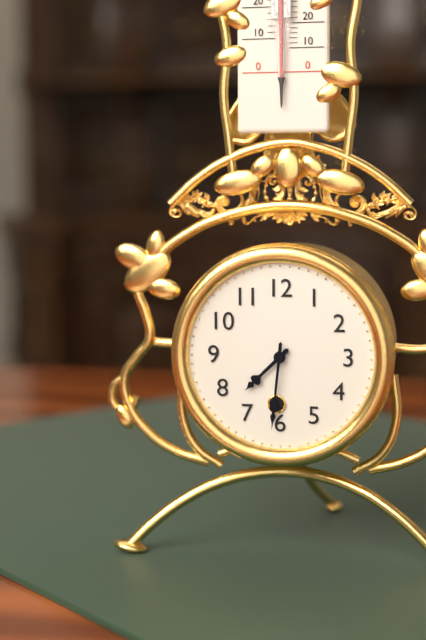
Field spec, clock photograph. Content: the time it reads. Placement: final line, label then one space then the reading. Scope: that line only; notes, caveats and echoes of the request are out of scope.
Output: 7:31
